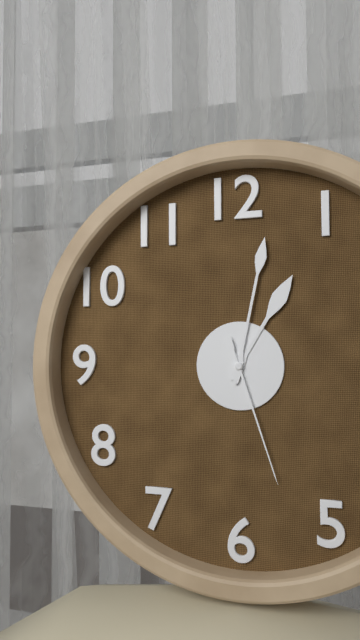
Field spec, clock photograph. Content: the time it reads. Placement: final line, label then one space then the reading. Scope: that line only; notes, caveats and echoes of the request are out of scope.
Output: 1:02:27
